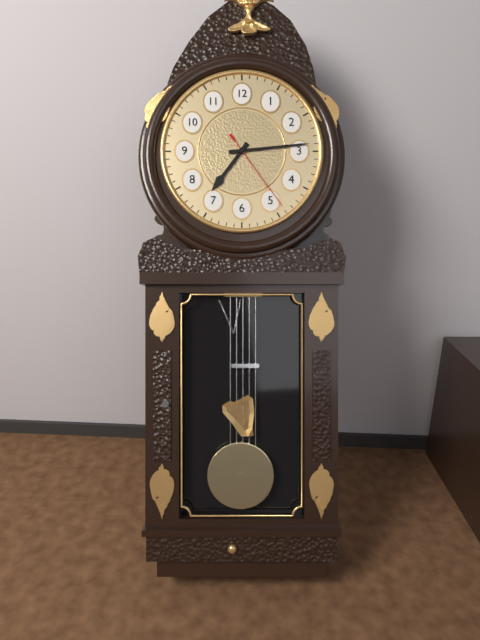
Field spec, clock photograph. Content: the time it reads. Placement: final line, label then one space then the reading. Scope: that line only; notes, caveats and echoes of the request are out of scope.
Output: 7:14:24
